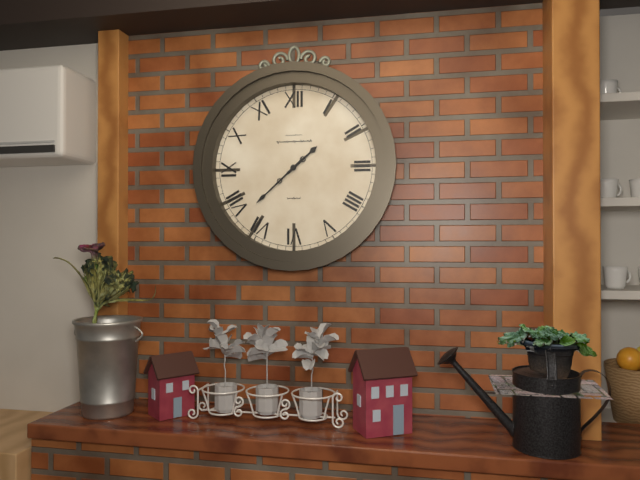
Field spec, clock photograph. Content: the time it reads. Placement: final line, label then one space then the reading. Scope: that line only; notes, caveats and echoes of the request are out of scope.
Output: 1:38
